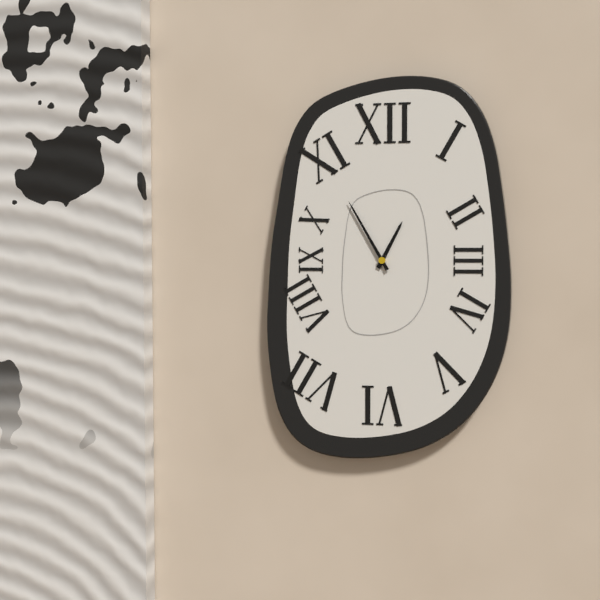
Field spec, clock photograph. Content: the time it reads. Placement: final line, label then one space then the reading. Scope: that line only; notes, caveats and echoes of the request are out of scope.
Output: 12:55
